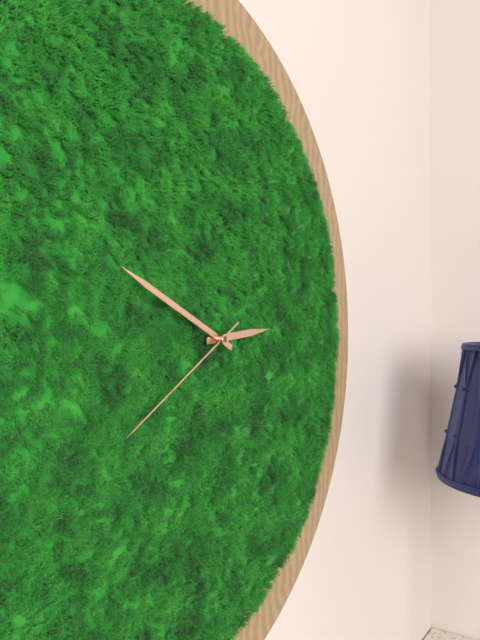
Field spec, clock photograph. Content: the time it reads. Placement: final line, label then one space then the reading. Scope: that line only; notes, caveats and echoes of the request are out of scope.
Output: 2:49:40
